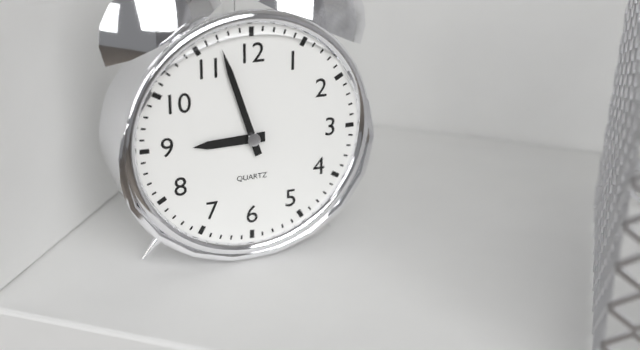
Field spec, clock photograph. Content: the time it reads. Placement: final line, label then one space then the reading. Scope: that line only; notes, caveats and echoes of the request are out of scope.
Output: 8:57
